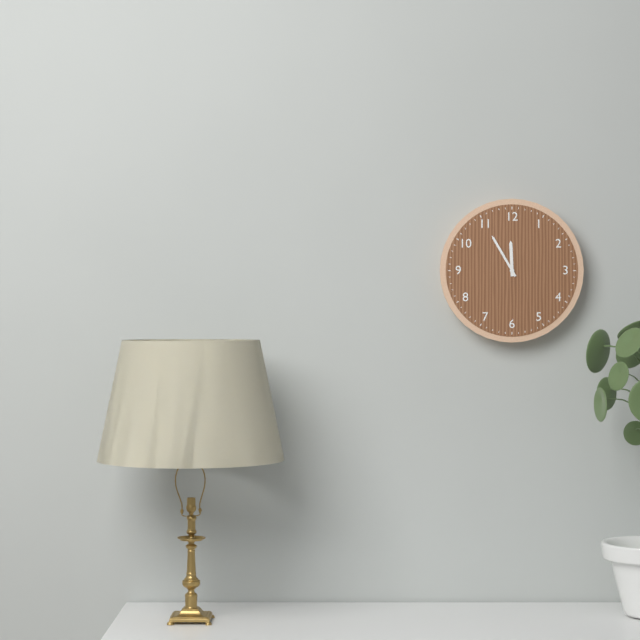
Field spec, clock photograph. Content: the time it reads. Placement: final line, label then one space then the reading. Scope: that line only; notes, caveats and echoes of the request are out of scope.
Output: 11:55
